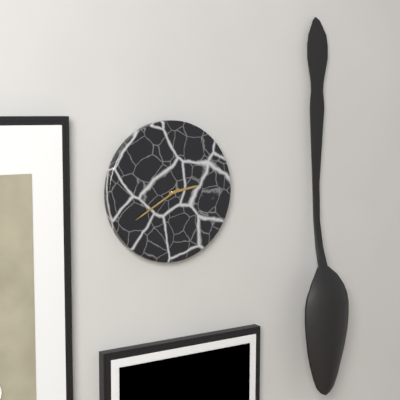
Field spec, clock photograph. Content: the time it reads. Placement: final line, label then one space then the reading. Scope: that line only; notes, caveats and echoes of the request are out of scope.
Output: 2:40
